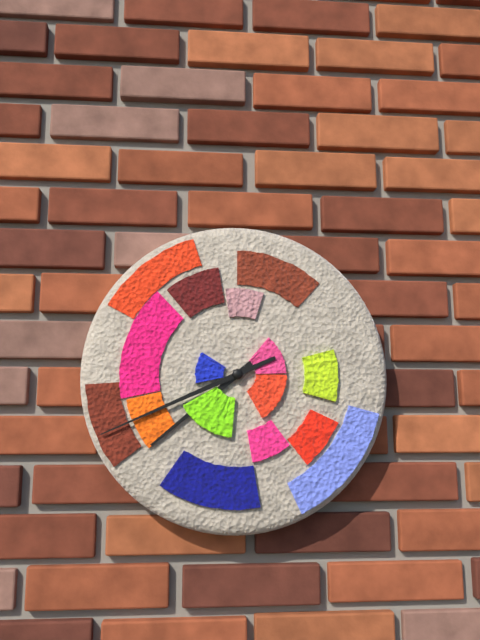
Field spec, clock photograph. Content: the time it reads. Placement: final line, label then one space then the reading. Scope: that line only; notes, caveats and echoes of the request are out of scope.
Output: 7:41
